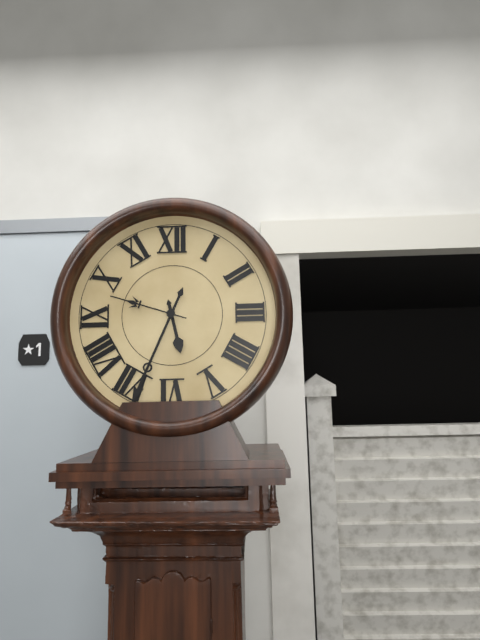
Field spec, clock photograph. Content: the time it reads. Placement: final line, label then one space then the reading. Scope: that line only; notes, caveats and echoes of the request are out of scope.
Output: 5:34:48
